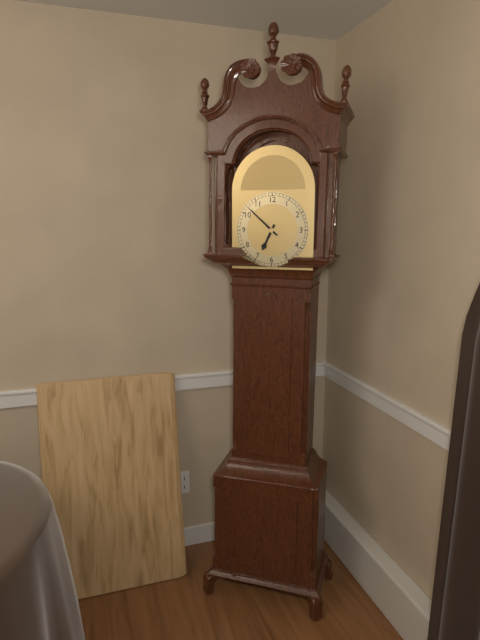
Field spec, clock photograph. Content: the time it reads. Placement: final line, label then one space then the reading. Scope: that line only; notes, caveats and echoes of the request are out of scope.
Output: 6:52
